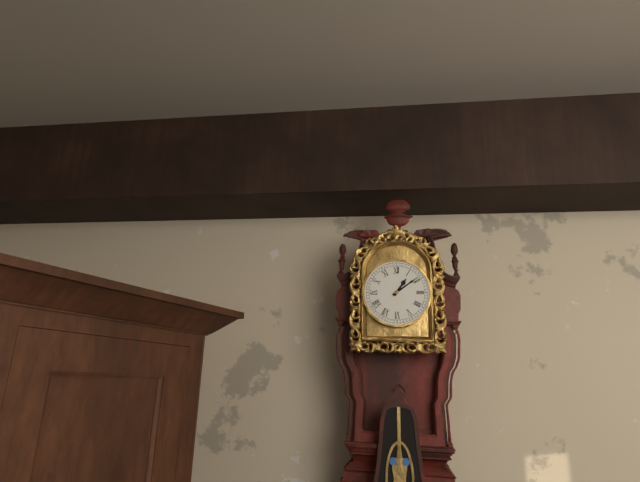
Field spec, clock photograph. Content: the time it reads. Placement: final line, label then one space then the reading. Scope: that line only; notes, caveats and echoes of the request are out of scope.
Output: 1:09
